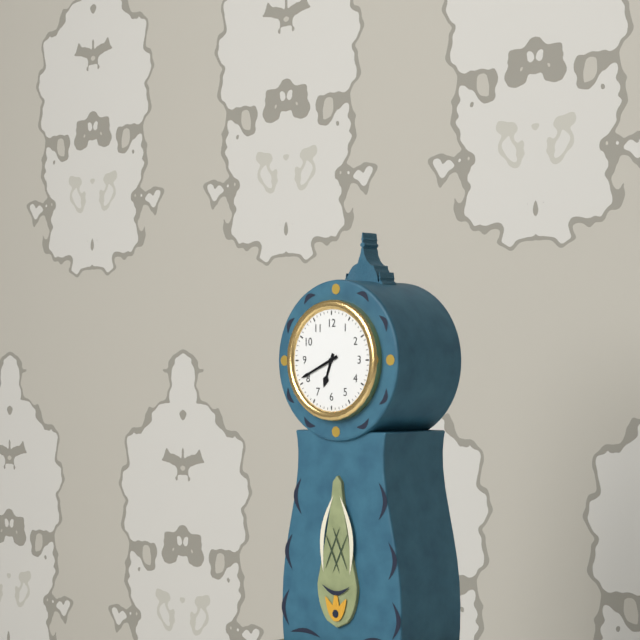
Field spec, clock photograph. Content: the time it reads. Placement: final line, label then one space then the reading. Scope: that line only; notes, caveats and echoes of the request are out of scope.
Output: 6:41
